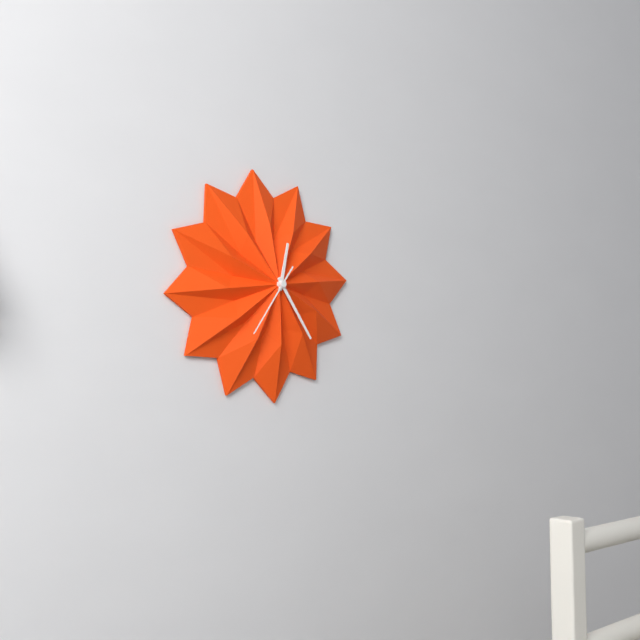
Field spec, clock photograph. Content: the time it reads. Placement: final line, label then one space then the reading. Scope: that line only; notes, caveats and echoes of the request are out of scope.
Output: 12:24:36
